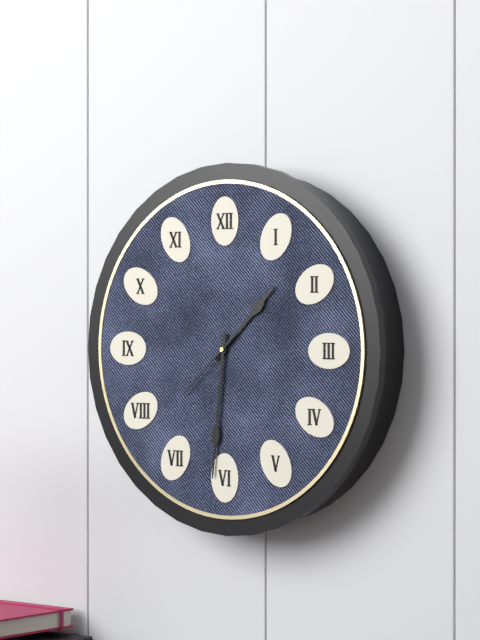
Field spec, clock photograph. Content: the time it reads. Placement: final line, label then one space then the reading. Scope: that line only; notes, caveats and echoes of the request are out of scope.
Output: 1:31:38
